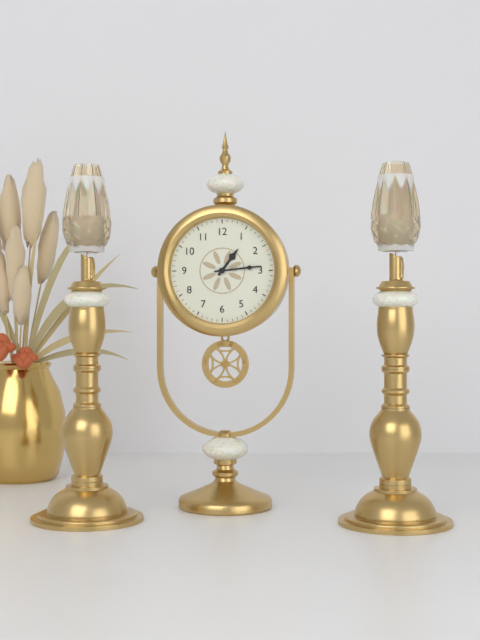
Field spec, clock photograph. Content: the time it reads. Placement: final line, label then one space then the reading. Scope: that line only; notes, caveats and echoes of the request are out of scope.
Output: 1:14
